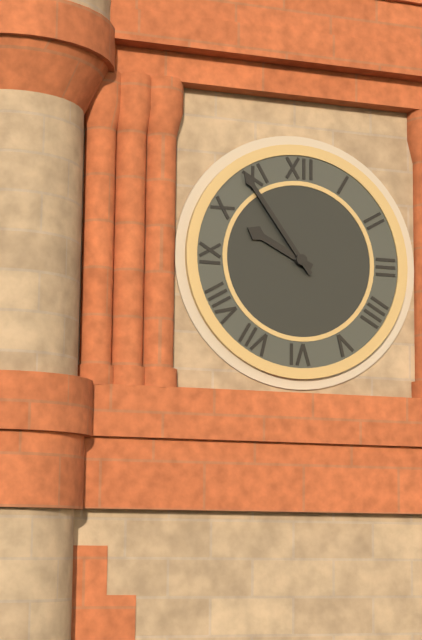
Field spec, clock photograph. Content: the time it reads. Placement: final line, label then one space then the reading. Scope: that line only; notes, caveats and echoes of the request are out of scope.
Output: 9:54
